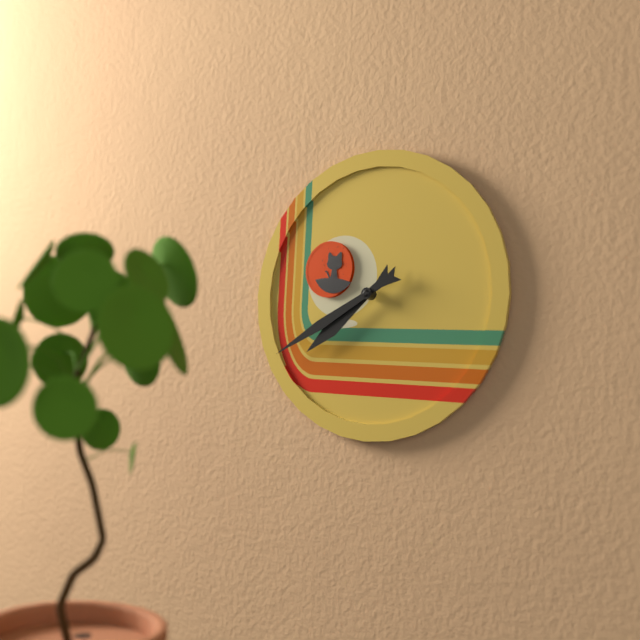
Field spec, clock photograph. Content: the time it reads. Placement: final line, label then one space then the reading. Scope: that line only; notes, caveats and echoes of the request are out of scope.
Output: 7:40
